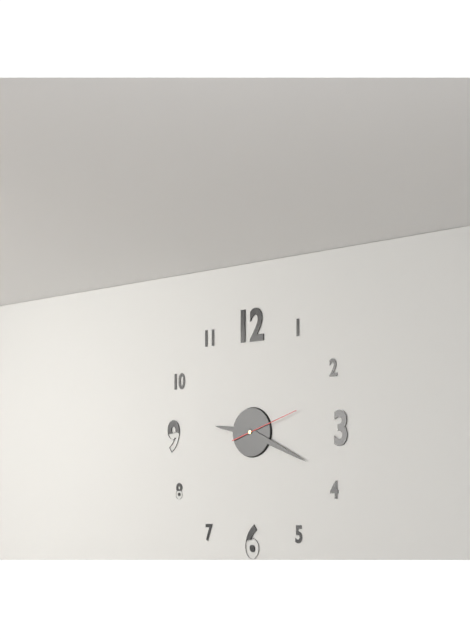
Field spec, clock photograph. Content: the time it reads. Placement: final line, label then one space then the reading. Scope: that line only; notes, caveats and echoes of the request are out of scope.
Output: 9:19:12
